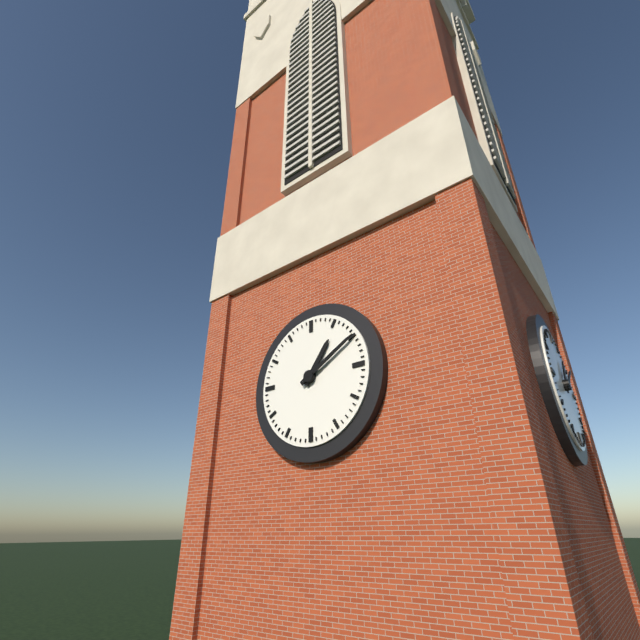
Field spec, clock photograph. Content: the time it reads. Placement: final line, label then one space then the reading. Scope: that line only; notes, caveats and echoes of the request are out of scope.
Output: 1:10
